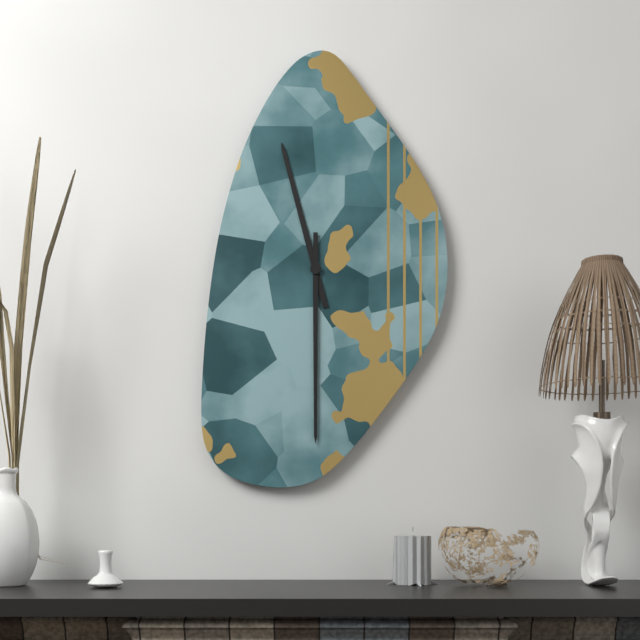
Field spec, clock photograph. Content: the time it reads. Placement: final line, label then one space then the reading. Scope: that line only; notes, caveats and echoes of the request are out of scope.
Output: 11:30
